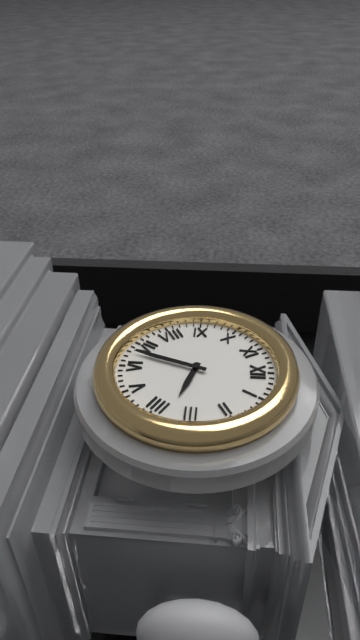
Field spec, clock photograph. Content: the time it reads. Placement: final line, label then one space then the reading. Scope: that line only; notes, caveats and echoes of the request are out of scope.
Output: 3:33
